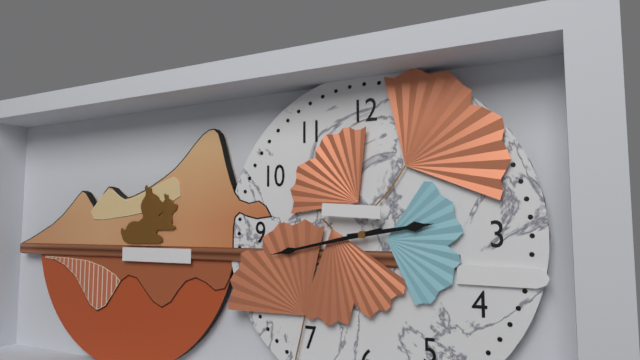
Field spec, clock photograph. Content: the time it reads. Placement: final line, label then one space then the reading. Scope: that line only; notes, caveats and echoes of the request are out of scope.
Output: 2:43
